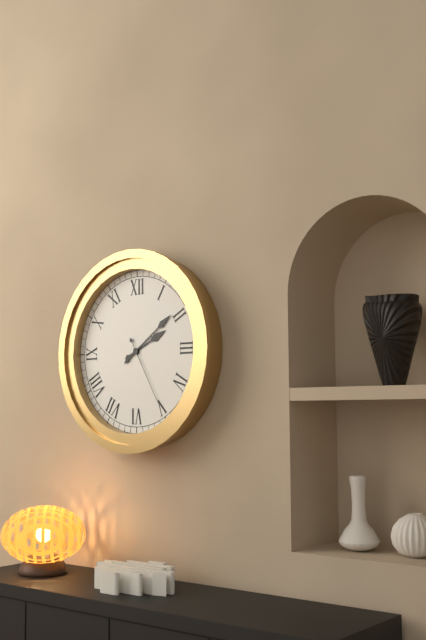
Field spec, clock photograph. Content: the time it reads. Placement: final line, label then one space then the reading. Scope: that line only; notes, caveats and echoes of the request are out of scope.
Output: 2:09:25
